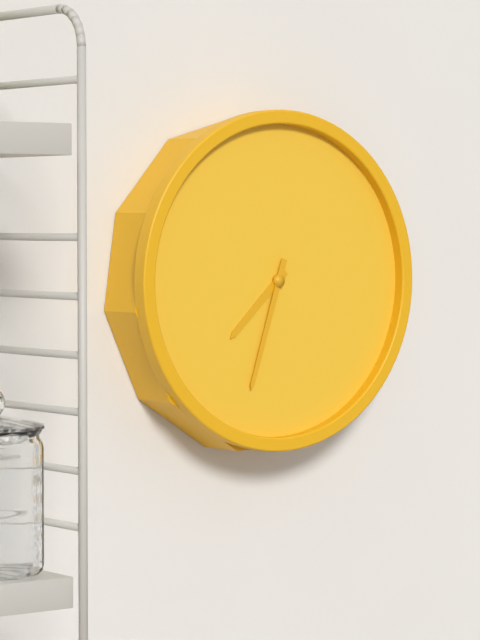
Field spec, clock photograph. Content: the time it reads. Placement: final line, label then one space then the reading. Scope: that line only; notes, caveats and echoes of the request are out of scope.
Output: 7:33
